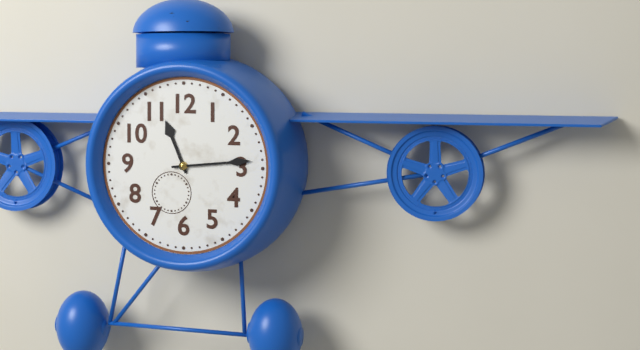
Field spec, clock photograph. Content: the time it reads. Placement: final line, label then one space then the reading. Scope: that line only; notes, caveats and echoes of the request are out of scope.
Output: 11:14
